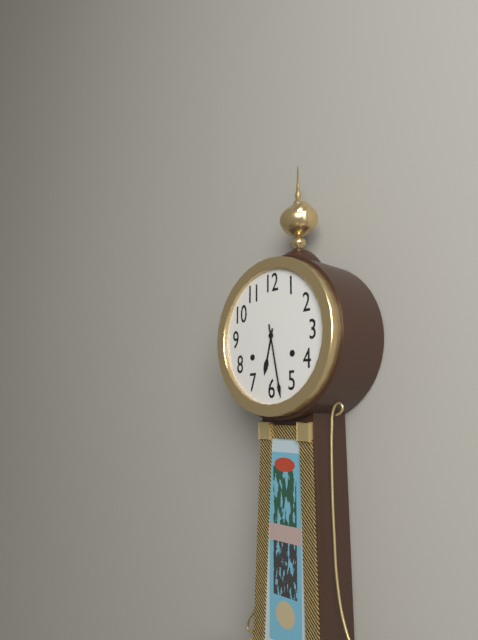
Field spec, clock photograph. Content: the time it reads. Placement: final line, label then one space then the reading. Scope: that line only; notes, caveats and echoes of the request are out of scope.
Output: 6:28
